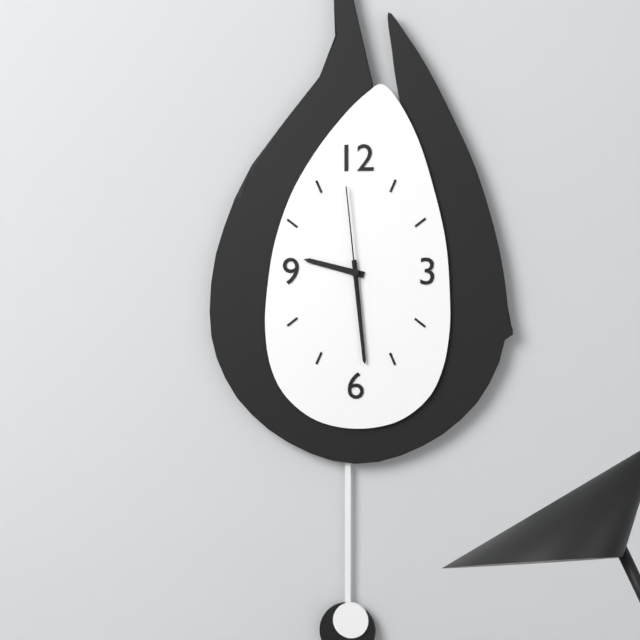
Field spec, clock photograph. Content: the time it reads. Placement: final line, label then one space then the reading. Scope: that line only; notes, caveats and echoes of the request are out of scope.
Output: 9:29:59
